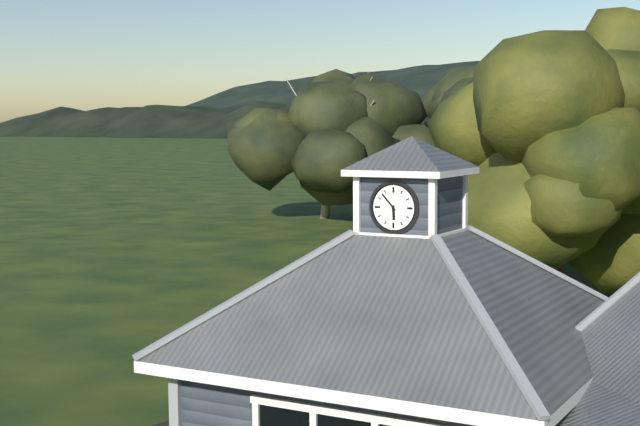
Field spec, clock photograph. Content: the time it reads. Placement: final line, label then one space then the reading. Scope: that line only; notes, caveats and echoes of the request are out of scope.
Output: 5:53
